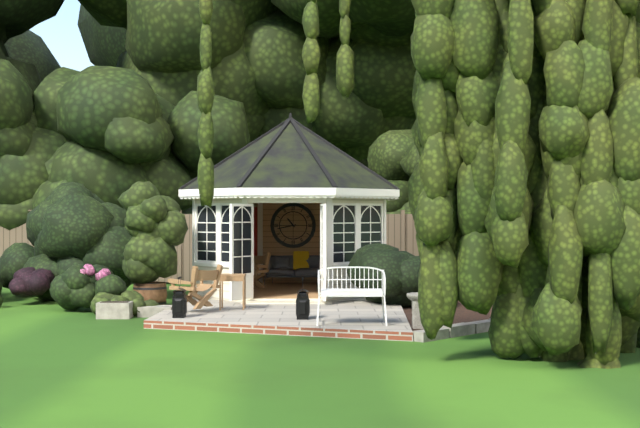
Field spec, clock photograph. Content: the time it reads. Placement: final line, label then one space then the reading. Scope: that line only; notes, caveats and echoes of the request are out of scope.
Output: 10:43
